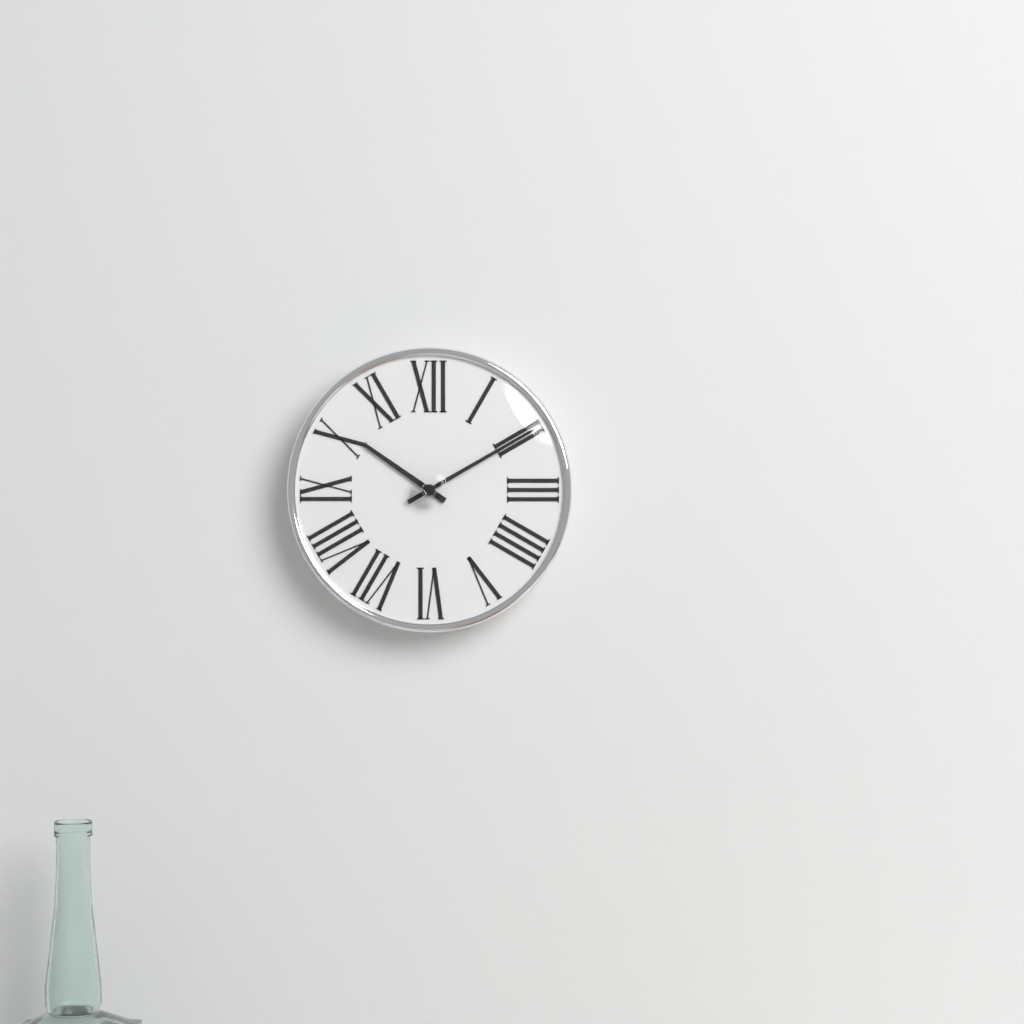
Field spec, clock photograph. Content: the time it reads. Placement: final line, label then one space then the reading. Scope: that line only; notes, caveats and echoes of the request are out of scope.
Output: 10:10
